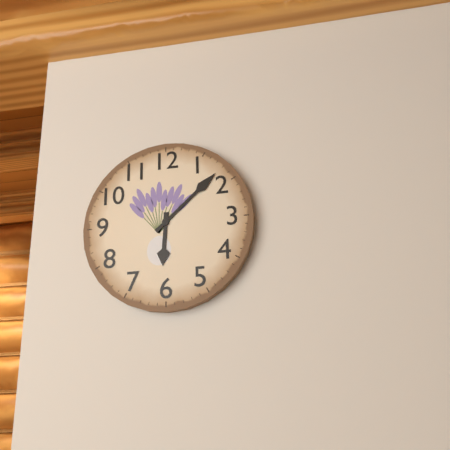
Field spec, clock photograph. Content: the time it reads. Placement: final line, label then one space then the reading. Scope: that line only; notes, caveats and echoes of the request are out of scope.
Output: 6:08
